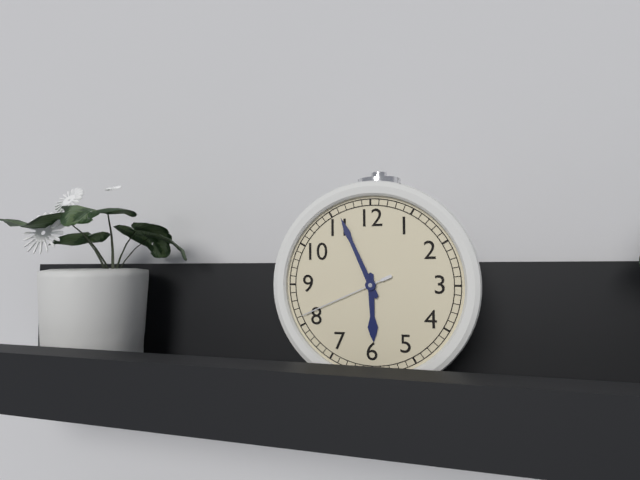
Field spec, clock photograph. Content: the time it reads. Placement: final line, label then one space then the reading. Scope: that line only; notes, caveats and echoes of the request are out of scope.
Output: 5:56:41
